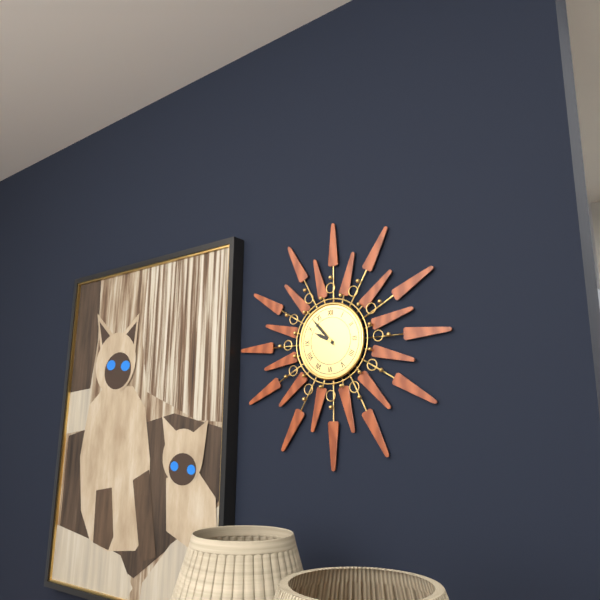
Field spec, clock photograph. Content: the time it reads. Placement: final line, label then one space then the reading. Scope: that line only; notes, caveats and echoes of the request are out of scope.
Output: 9:53
